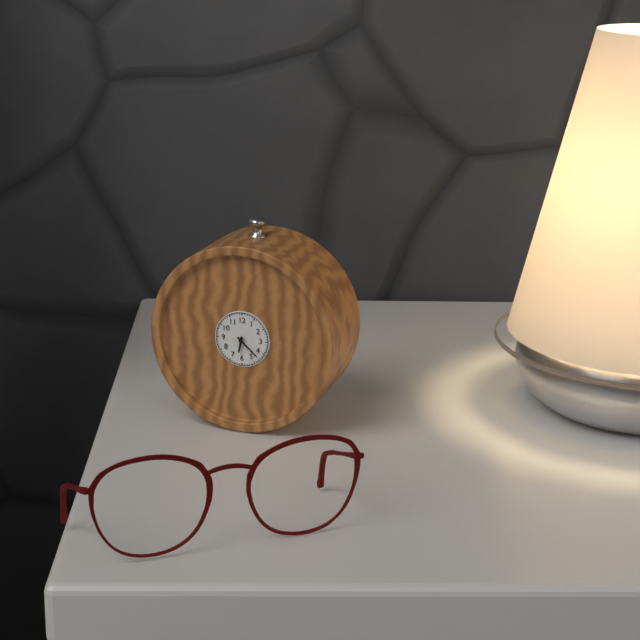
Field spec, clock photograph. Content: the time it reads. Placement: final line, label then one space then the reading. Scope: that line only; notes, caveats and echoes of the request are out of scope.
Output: 6:22
